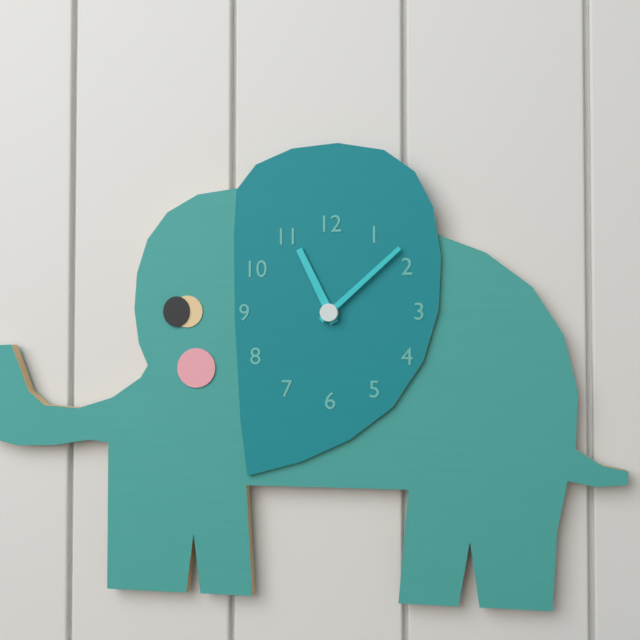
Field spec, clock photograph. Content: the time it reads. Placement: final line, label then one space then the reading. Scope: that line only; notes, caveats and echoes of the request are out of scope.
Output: 11:08
